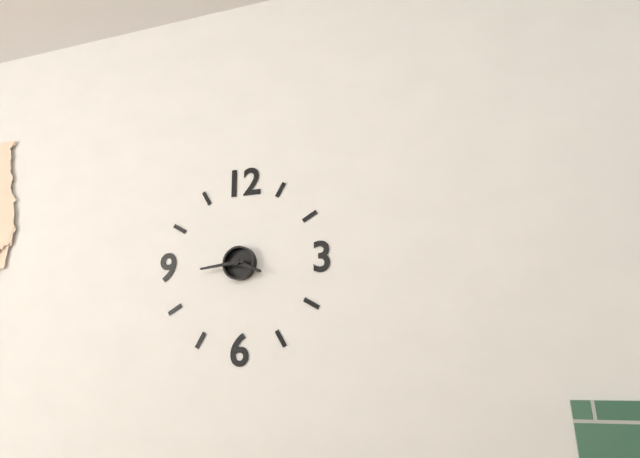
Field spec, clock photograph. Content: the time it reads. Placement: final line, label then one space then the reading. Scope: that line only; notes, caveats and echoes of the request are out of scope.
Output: 3:44
